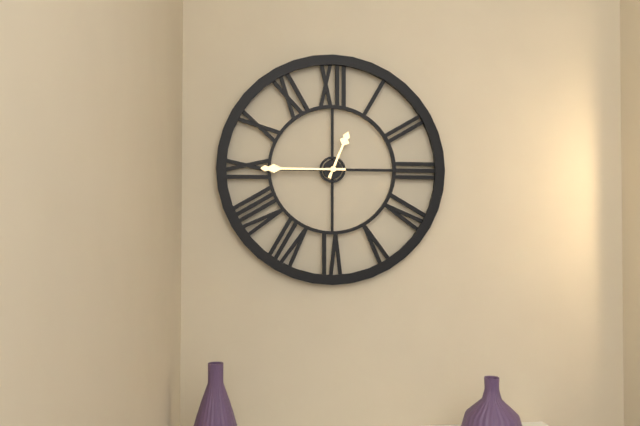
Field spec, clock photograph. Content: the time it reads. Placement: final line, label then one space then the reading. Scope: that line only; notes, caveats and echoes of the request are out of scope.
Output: 12:45
